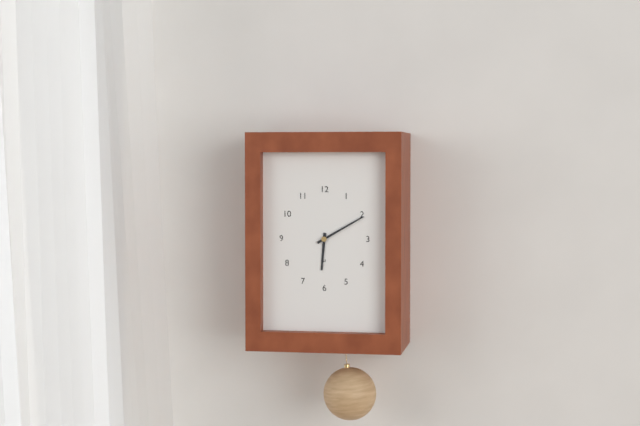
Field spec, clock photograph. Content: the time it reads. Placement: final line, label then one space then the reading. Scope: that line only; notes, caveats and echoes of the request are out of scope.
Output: 6:10
